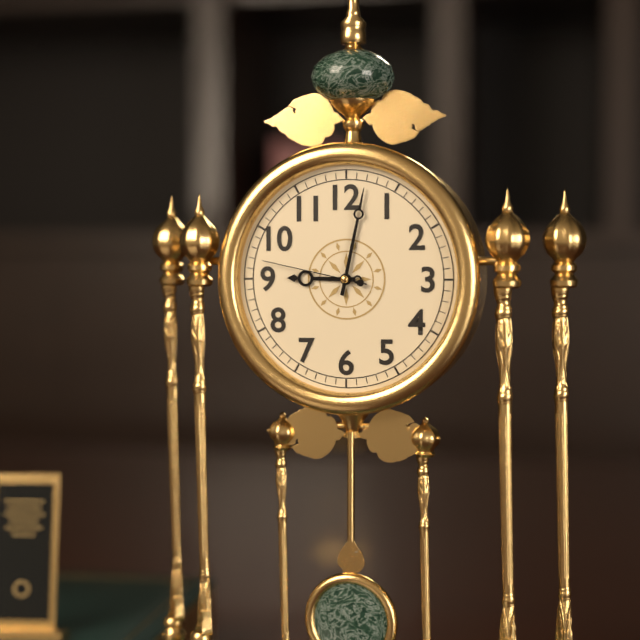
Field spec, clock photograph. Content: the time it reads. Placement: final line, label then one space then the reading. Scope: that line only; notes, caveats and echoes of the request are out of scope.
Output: 9:02:47
